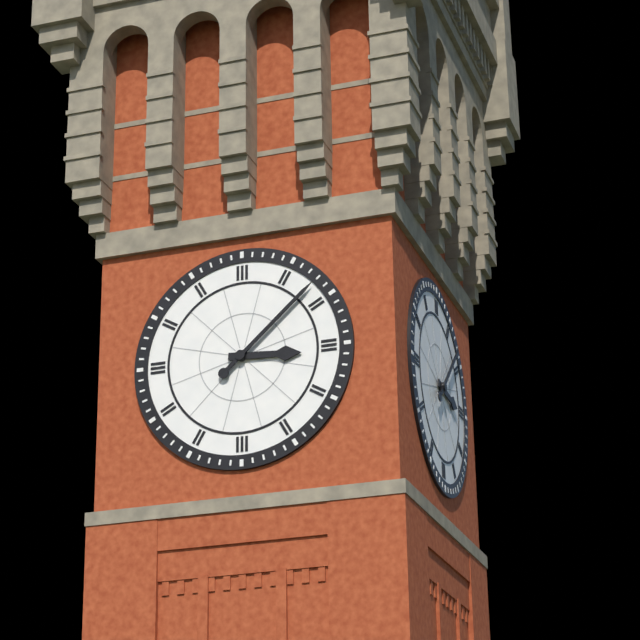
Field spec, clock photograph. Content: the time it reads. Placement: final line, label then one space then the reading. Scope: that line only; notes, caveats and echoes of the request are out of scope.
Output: 3:08
